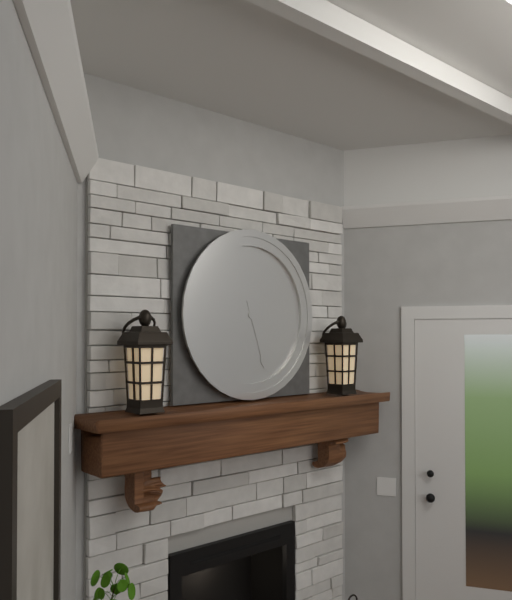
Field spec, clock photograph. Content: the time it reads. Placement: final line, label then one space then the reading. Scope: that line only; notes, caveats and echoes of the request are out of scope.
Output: 5:27
